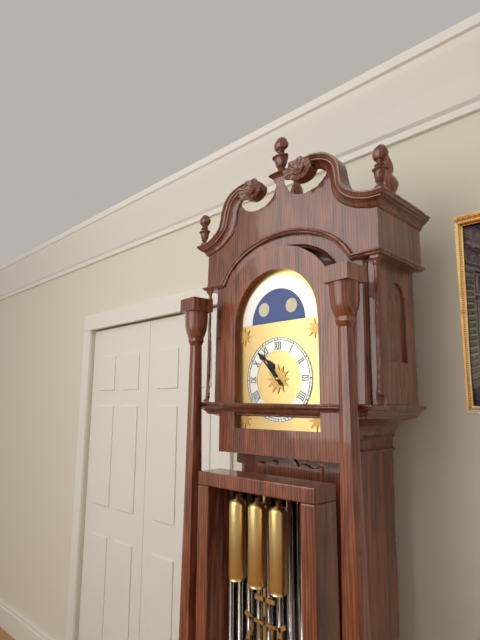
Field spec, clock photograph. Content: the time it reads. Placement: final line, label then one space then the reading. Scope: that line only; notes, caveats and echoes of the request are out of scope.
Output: 10:53
